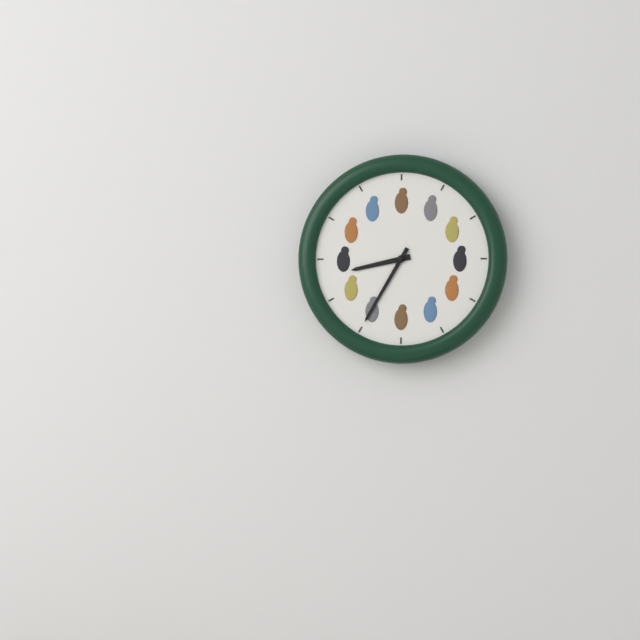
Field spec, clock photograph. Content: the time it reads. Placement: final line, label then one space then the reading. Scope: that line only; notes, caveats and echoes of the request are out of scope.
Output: 8:35
